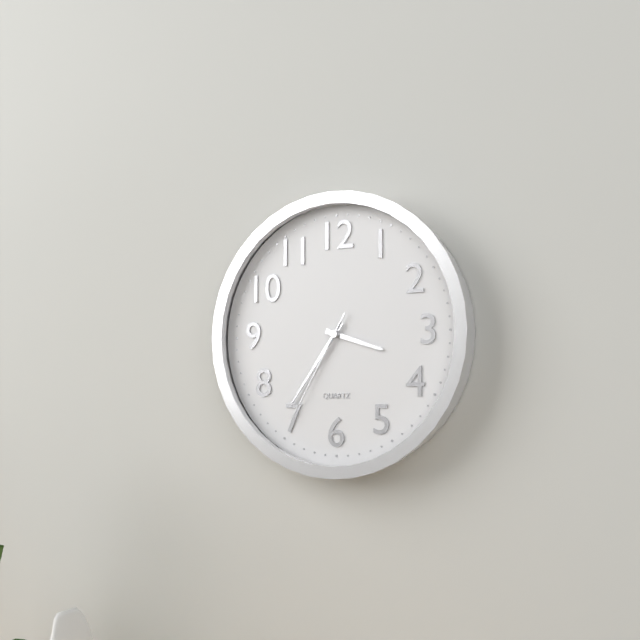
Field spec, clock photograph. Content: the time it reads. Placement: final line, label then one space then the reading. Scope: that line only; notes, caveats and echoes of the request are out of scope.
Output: 3:36:35
